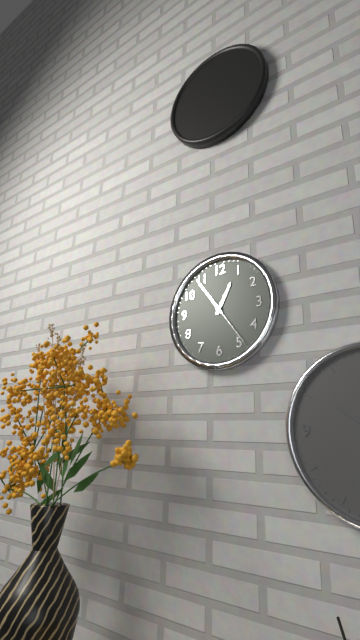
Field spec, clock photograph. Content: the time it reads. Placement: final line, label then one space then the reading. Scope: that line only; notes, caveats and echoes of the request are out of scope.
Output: 12:54:24
